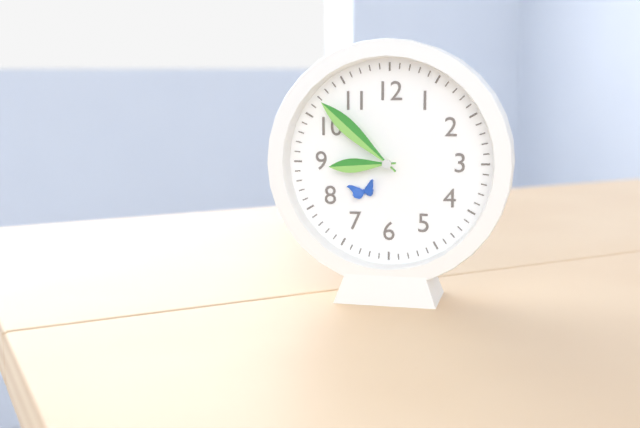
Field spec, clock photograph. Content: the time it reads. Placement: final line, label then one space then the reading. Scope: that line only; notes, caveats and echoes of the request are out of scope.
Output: 8:52
